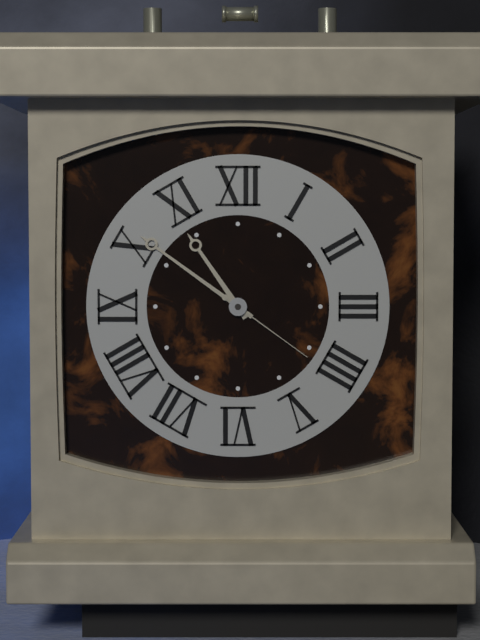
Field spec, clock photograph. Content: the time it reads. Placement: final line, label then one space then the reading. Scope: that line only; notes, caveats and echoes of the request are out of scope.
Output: 10:51:21
